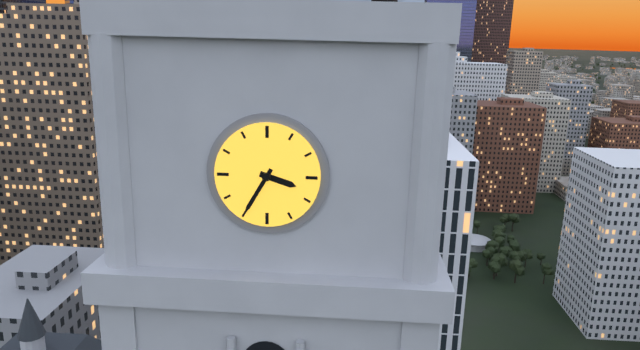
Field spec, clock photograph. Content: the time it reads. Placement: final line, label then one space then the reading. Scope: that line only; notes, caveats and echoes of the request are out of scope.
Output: 3:35
